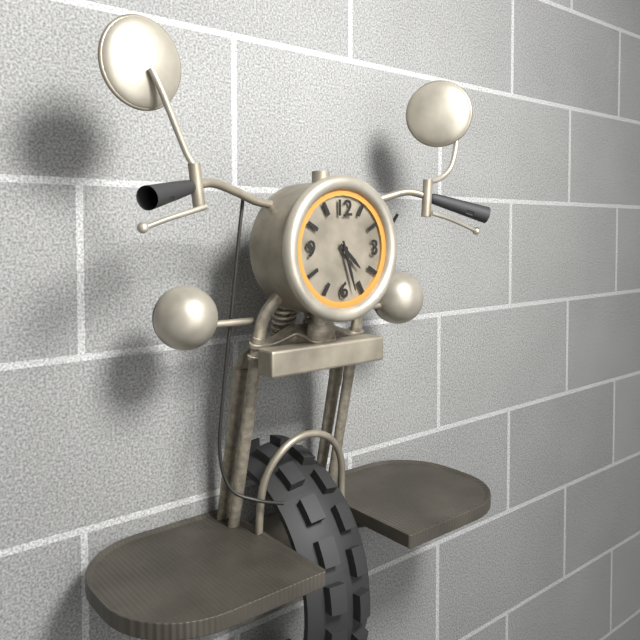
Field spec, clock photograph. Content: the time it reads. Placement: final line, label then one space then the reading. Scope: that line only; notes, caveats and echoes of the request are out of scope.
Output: 4:27
